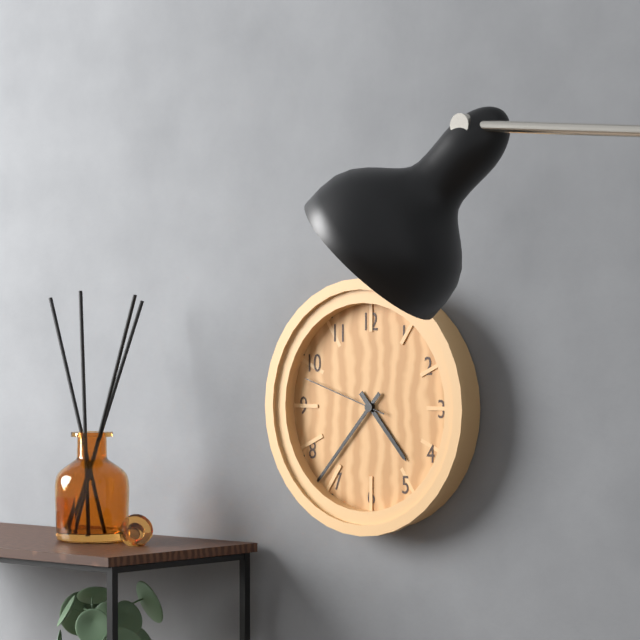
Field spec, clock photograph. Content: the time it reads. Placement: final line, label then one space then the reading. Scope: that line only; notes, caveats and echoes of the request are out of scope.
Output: 4:37:48
